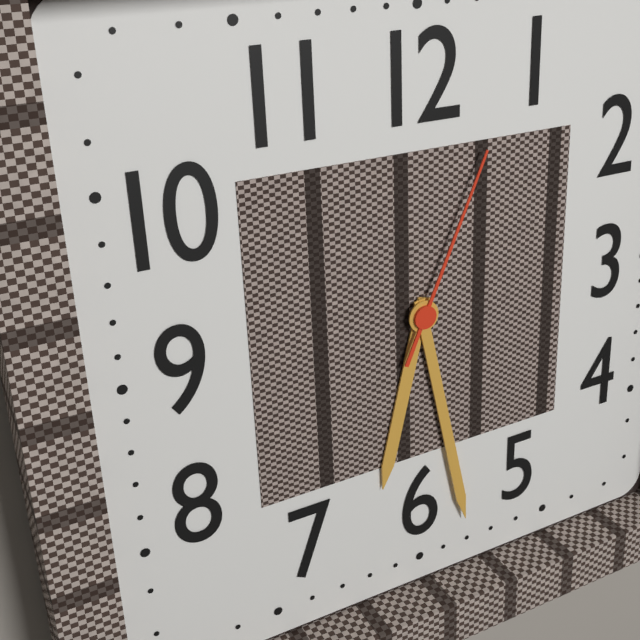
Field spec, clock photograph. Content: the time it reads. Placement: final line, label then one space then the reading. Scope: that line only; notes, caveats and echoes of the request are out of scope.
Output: 6:28:04
